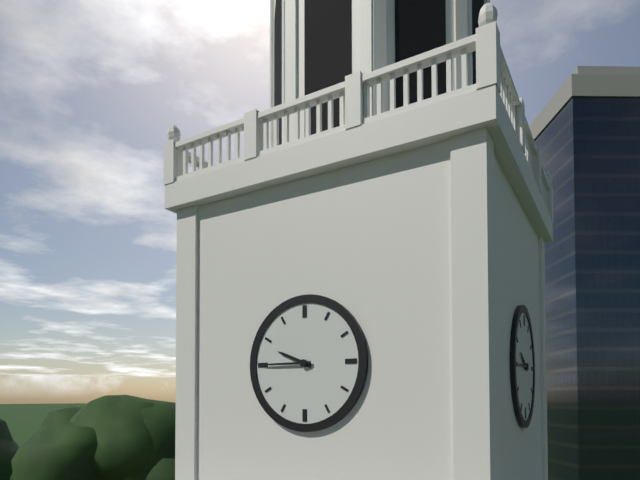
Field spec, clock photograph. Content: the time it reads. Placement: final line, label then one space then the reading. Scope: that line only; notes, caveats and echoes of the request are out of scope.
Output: 9:45
